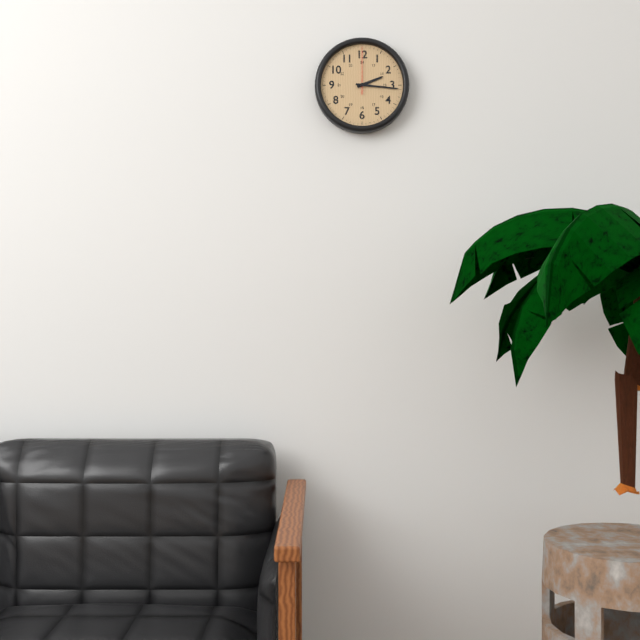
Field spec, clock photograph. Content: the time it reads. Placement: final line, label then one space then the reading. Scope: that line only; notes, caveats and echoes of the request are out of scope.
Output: 2:16
